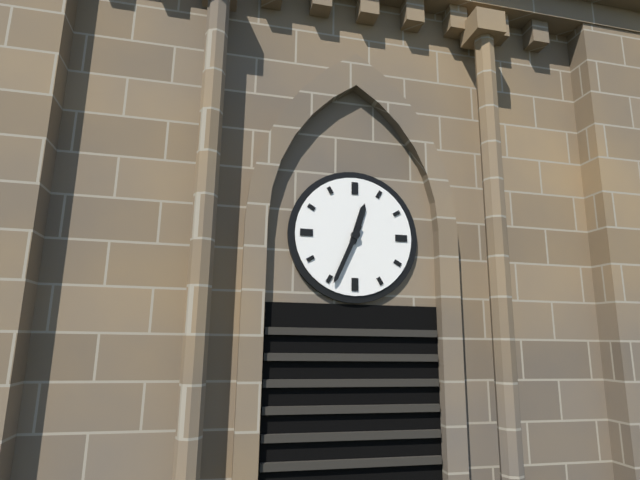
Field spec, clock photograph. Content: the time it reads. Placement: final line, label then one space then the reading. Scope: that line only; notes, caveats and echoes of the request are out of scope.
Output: 12:34
